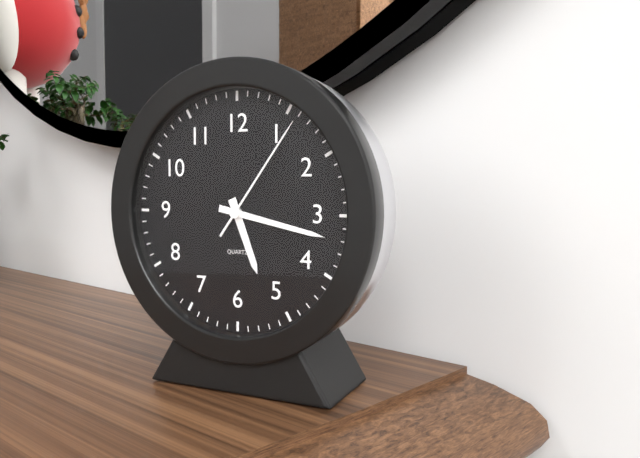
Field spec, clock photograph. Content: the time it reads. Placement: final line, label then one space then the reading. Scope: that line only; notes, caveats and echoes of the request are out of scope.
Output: 5:17:06
